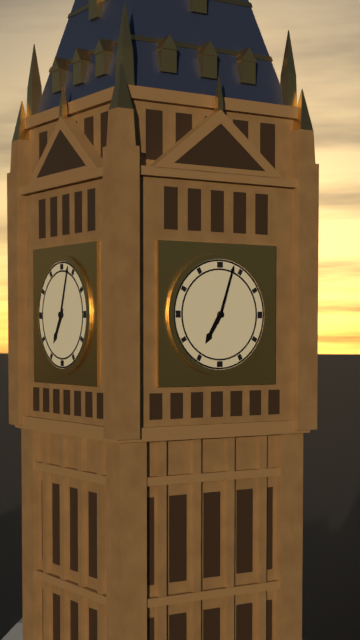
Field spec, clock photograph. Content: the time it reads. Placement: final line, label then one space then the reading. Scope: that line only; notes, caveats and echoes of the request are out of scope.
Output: 7:03
